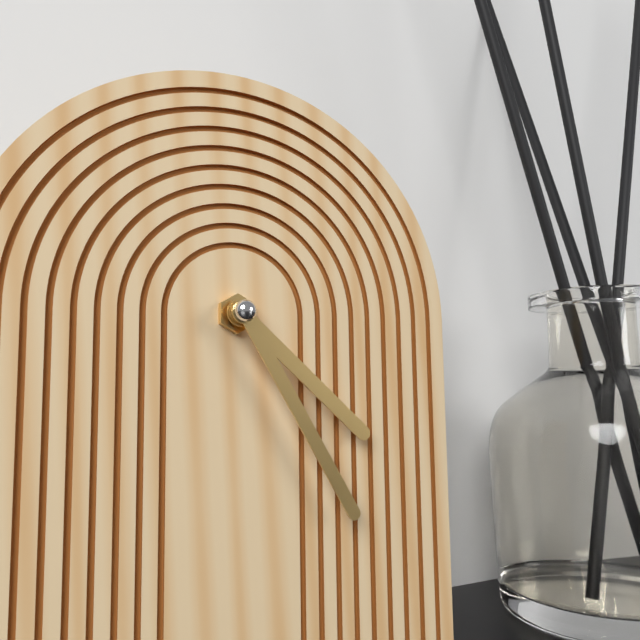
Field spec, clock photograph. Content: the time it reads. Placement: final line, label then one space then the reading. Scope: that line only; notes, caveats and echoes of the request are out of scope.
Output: 4:25
